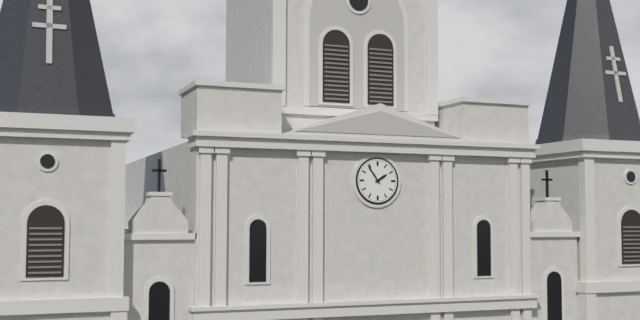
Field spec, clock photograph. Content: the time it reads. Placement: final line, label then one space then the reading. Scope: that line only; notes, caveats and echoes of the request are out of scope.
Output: 1:54
